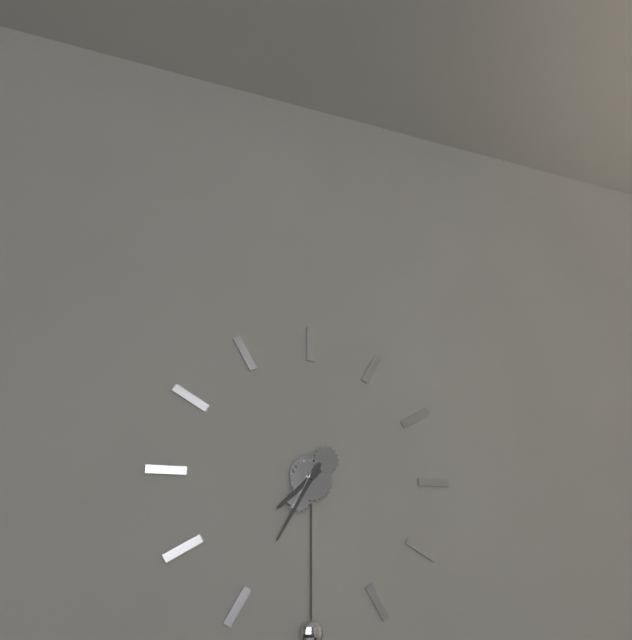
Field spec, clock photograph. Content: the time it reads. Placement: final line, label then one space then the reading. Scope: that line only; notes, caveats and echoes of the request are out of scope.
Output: 7:35
